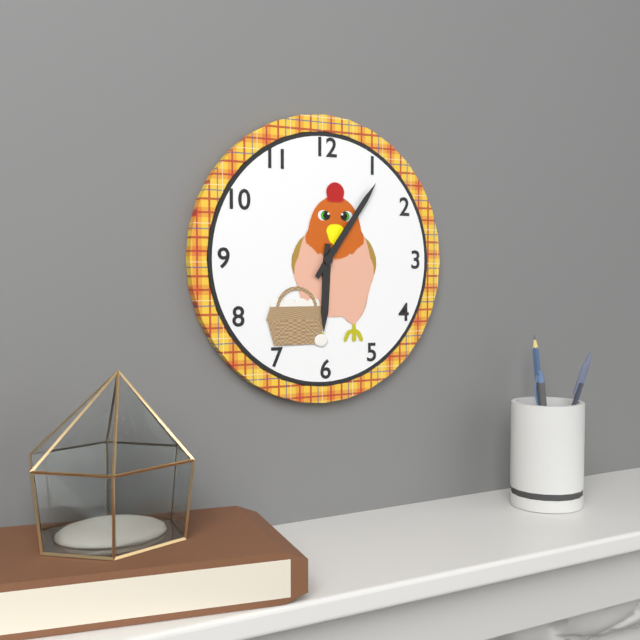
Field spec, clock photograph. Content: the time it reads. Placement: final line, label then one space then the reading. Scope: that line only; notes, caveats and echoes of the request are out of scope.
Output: 6:06
